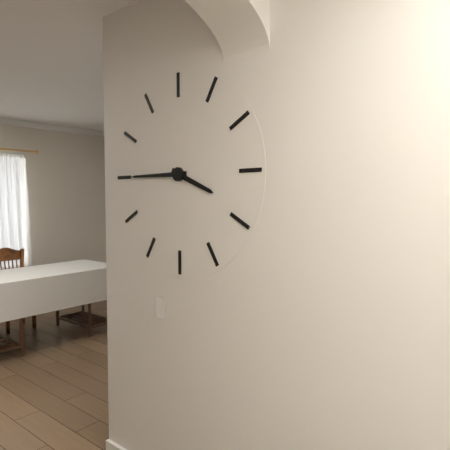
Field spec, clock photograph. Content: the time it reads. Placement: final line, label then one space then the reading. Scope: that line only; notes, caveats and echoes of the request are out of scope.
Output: 3:45
